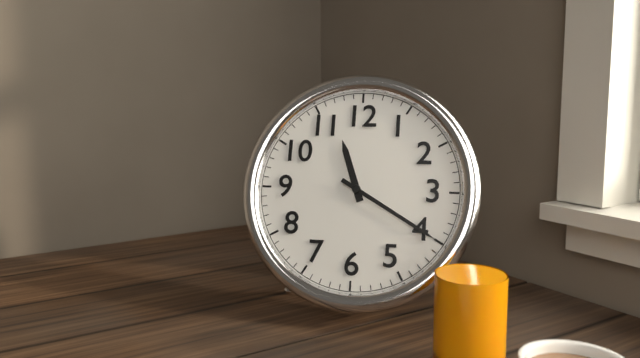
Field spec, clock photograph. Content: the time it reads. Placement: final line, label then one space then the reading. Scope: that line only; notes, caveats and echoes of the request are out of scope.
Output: 11:20
